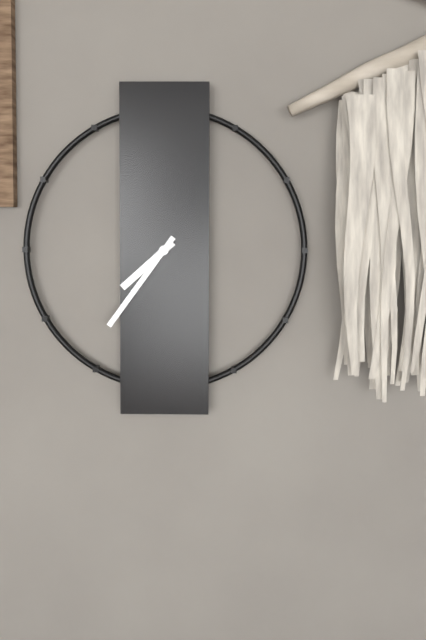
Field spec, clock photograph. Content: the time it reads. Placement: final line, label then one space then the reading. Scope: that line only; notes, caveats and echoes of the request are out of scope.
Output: 7:36
